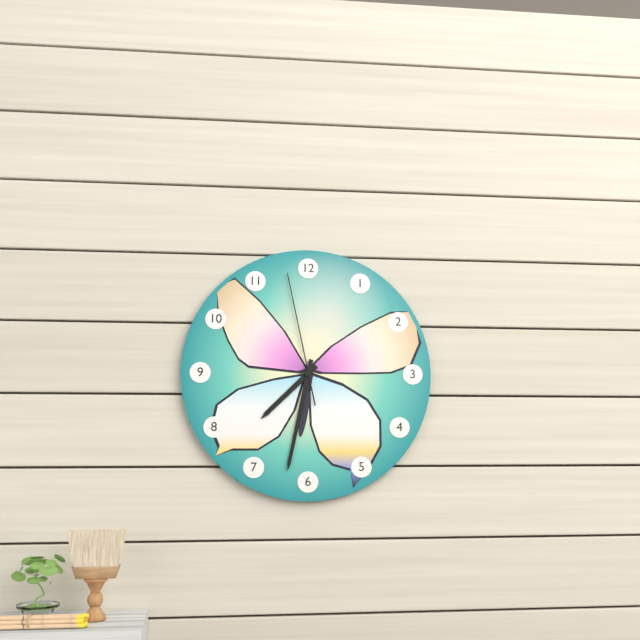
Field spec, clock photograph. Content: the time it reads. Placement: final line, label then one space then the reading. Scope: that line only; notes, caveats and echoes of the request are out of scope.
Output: 7:32:58
